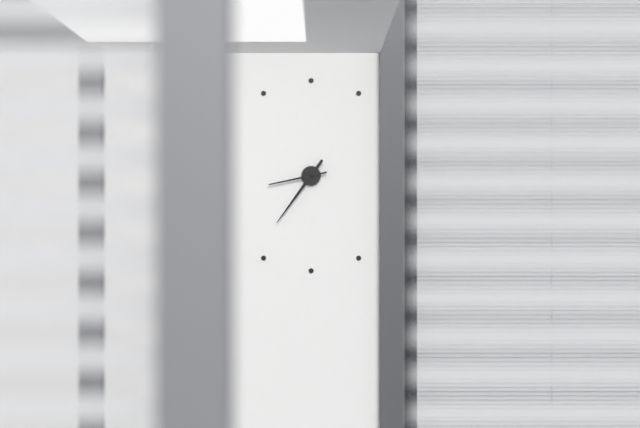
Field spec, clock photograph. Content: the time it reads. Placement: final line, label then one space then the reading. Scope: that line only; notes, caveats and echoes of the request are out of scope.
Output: 8:36
